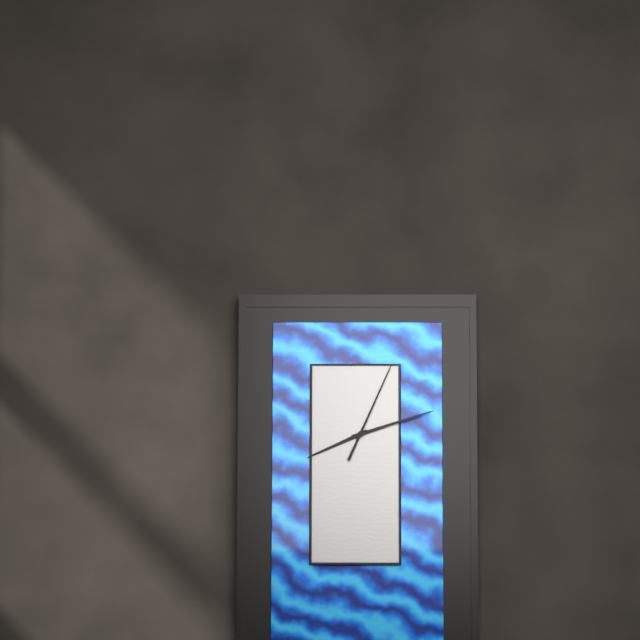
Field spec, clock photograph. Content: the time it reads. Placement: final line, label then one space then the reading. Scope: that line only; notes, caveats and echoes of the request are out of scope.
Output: 8:12:04
